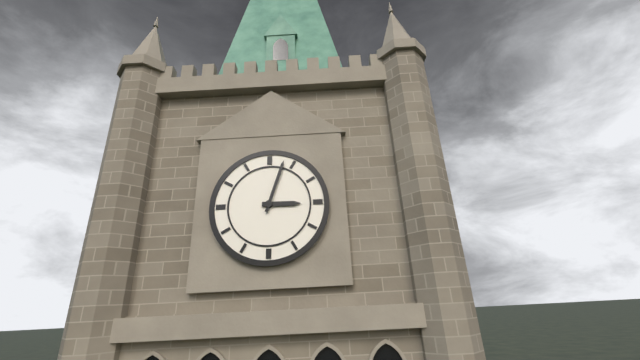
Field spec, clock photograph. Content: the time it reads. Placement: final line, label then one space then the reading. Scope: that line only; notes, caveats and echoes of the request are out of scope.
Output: 3:03
